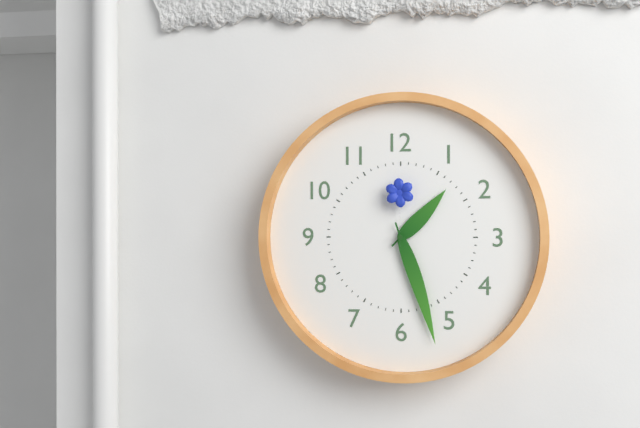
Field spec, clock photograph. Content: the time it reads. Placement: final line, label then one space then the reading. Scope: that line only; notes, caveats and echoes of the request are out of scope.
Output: 1:27:00
